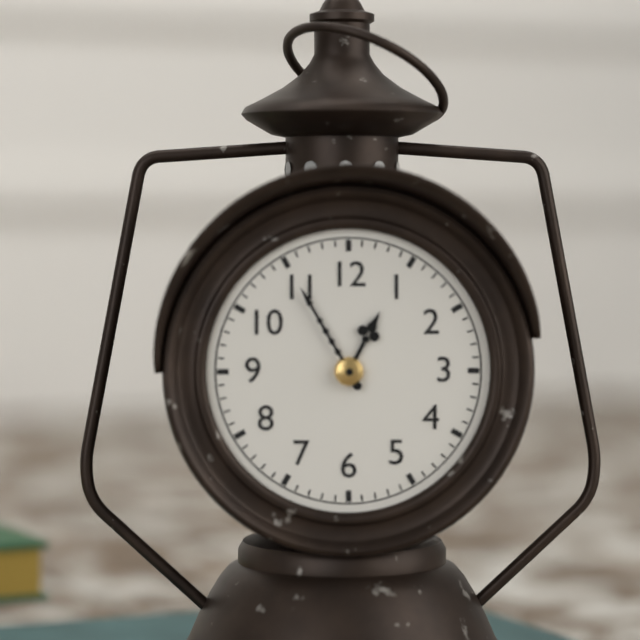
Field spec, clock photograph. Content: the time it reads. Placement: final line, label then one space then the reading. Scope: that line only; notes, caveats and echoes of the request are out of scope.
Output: 12:55
